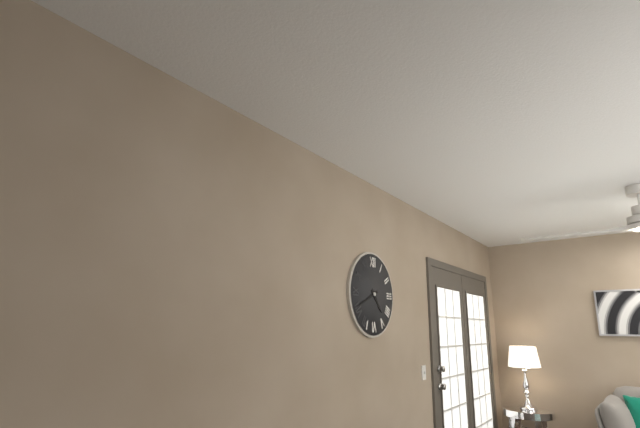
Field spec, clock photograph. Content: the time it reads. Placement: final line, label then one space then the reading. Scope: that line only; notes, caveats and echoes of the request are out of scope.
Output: 4:41
